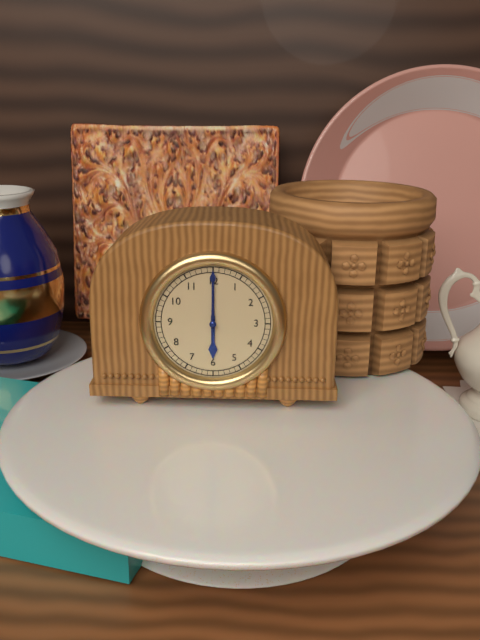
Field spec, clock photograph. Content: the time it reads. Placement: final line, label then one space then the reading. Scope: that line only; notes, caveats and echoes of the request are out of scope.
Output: 6:00:00
